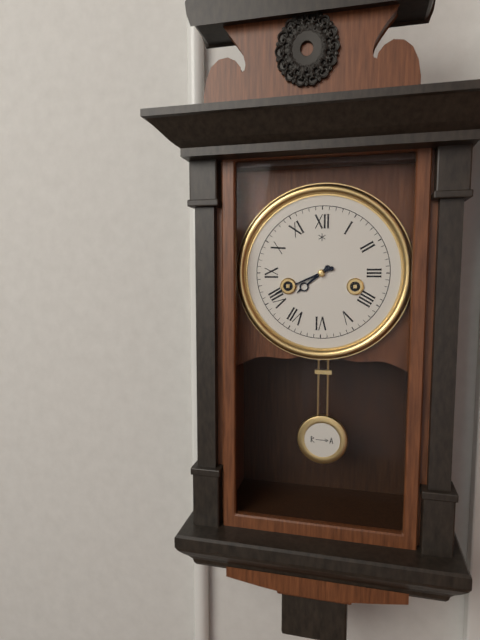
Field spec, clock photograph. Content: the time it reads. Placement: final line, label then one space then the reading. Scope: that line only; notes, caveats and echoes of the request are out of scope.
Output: 7:41
